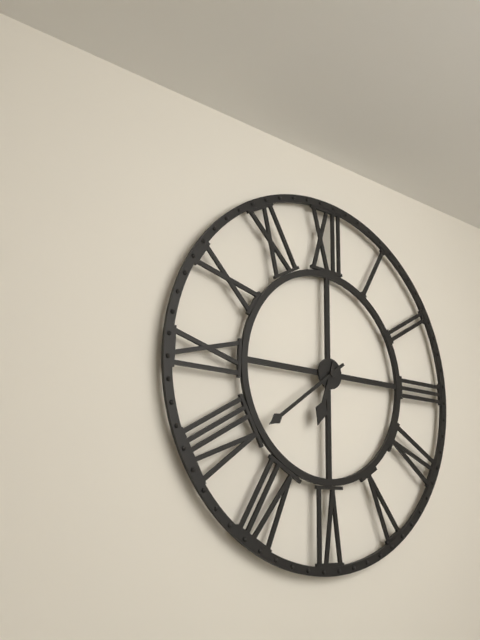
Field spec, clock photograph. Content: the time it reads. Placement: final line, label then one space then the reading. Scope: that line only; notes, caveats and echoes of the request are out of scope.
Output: 6:39
